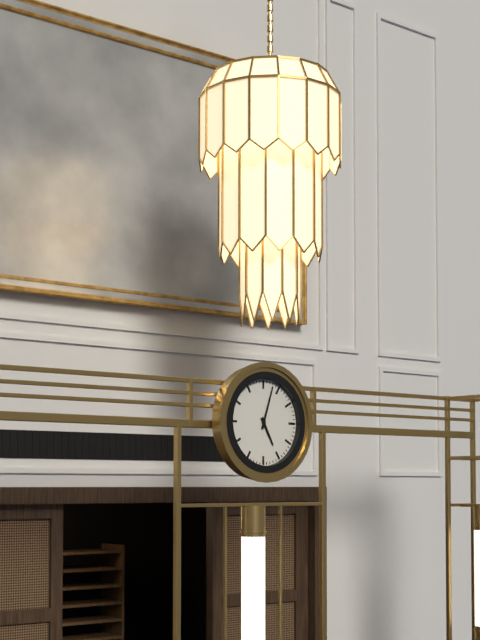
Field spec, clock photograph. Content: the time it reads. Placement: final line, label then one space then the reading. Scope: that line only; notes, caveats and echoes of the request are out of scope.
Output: 5:03
